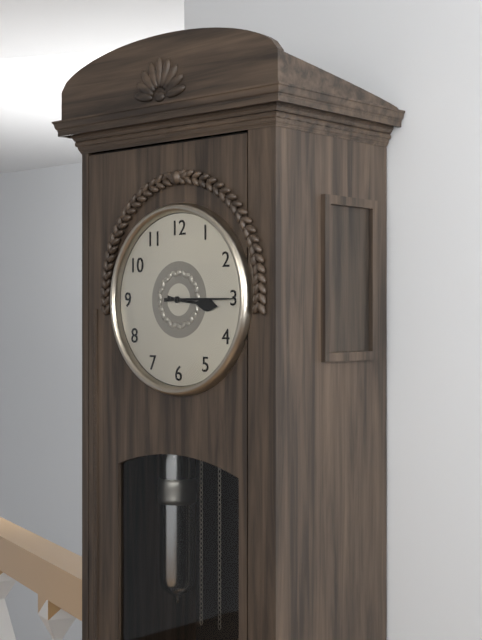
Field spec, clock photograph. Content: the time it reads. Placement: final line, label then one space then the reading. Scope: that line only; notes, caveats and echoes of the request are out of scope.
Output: 3:15
